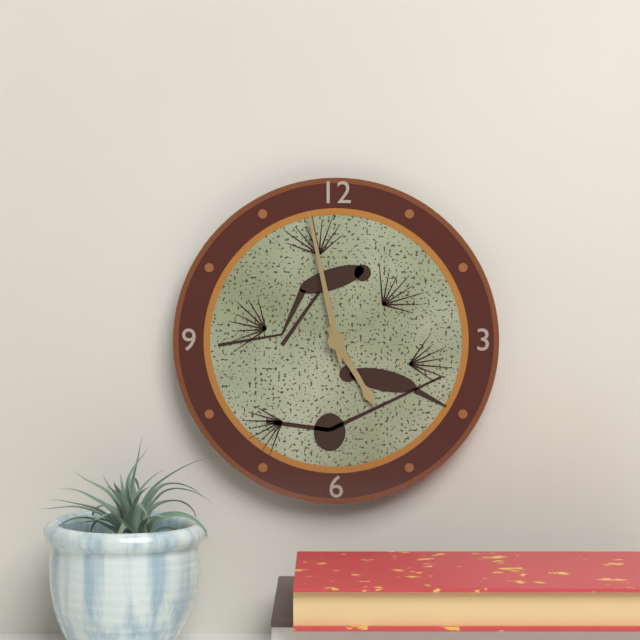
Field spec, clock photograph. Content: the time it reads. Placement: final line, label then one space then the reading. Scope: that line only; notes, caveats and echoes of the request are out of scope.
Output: 4:58
